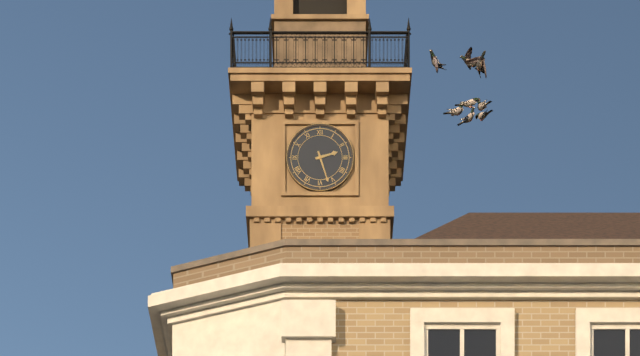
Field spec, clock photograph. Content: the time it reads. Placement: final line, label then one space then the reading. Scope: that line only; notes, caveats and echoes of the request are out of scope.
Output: 2:27
